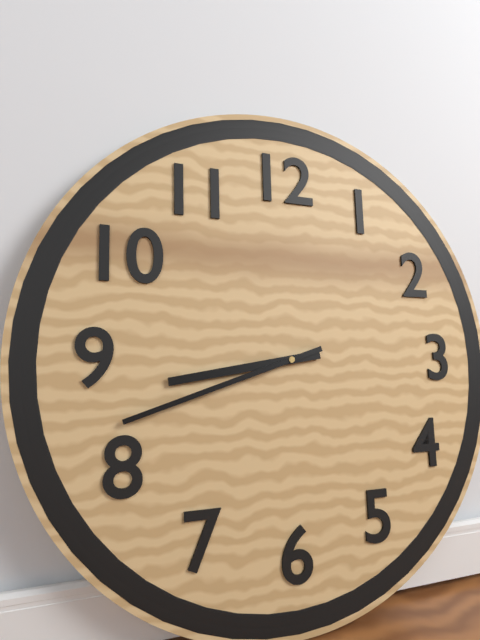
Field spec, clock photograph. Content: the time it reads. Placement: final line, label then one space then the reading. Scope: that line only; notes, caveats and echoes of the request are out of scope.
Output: 8:42
